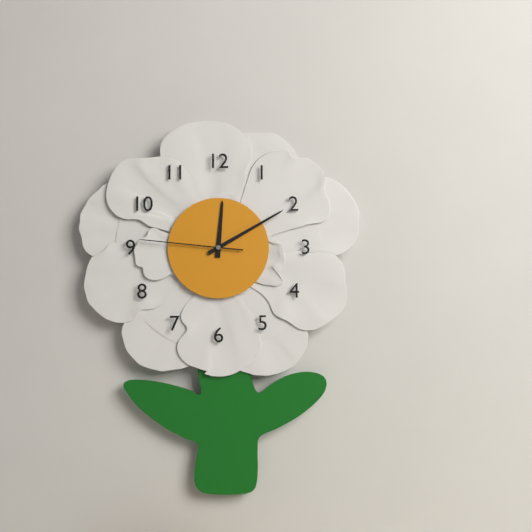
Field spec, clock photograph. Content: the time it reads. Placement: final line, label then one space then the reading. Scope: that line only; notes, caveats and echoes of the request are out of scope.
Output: 12:10:46
